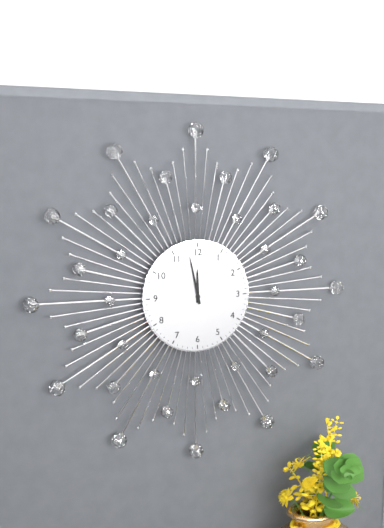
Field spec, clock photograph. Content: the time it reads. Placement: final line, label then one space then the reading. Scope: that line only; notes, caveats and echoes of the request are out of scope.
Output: 11:58
